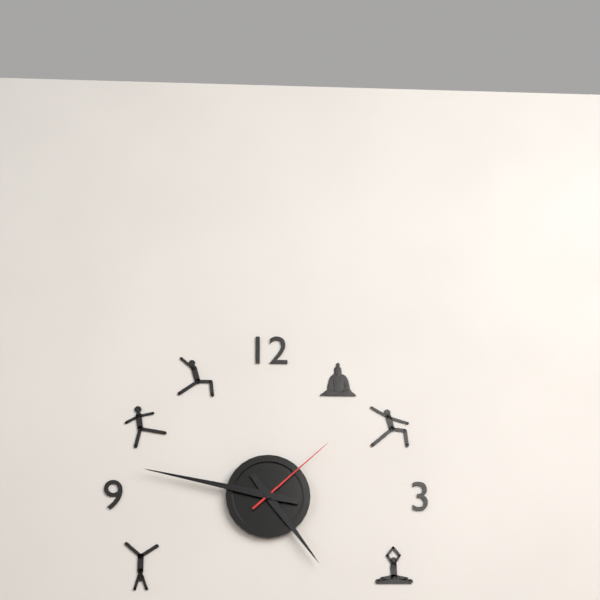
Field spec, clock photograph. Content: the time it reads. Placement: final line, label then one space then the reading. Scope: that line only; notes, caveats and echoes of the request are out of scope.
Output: 4:47:08
